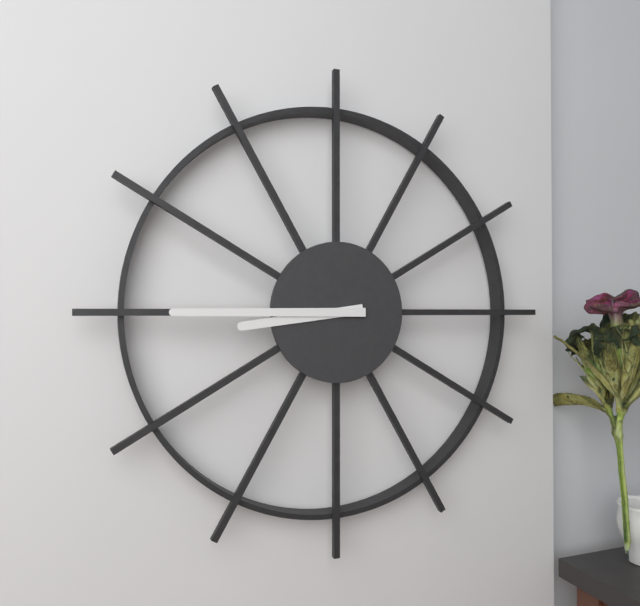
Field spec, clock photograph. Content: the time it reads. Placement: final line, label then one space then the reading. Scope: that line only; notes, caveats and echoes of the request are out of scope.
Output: 8:45
